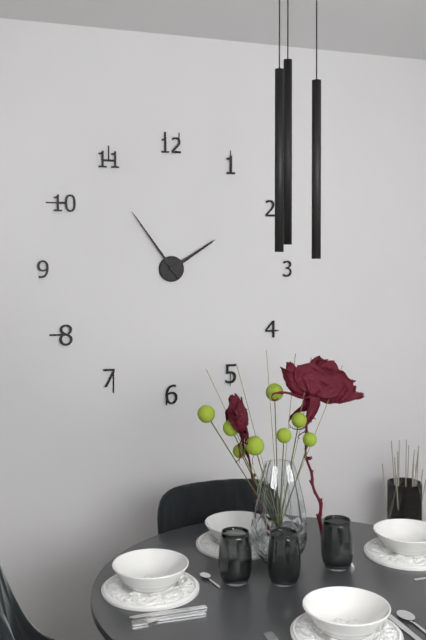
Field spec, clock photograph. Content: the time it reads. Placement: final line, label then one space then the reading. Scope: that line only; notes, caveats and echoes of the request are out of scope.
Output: 1:54
